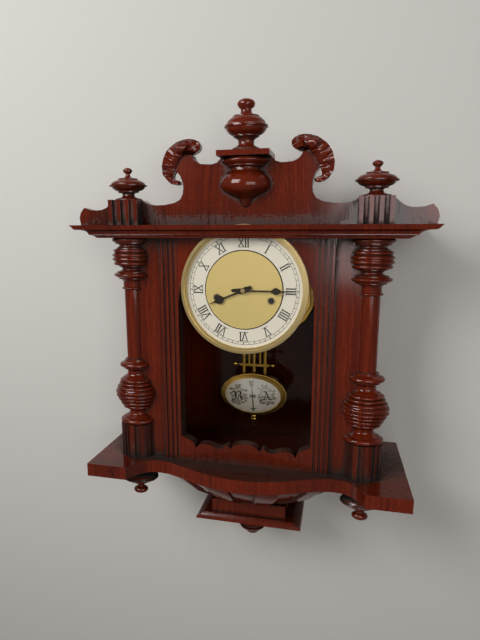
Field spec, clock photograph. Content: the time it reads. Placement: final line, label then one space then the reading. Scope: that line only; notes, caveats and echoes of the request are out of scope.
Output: 8:15
